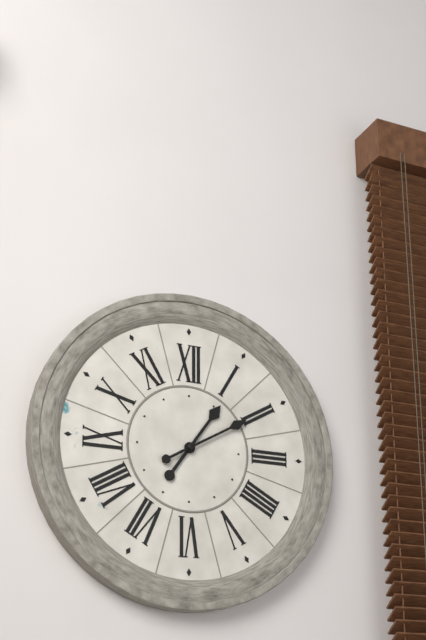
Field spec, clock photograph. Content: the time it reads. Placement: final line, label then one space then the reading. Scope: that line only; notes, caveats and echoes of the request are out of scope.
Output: 1:10
